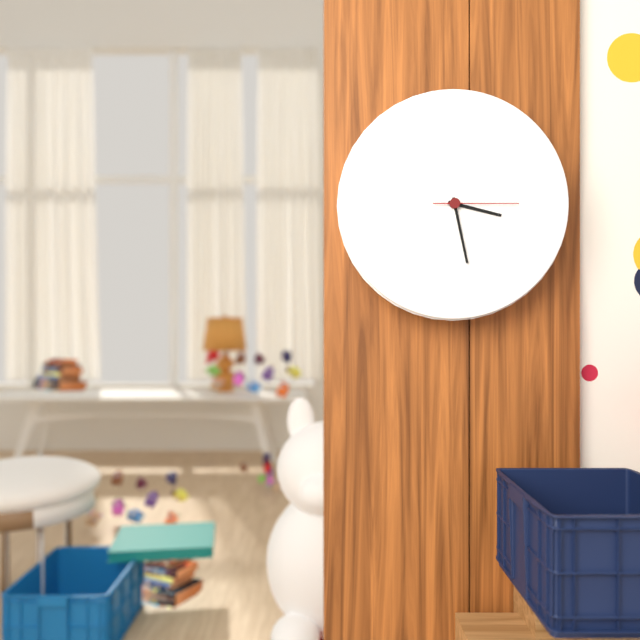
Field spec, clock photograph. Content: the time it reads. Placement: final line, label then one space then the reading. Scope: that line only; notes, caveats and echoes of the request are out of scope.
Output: 3:28:15
